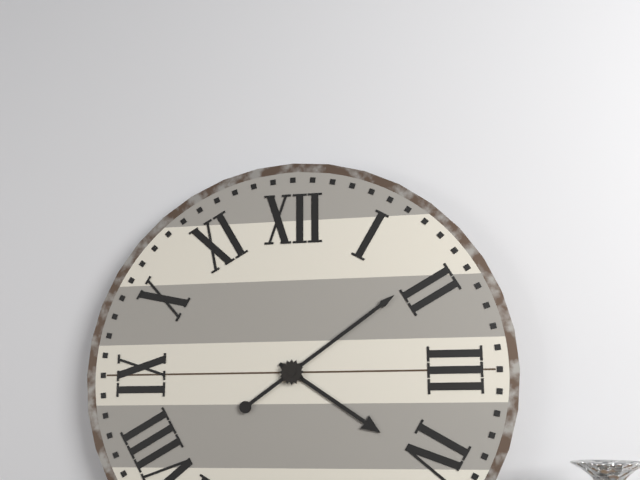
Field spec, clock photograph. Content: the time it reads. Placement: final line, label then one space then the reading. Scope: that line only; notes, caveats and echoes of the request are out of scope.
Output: 4:09
